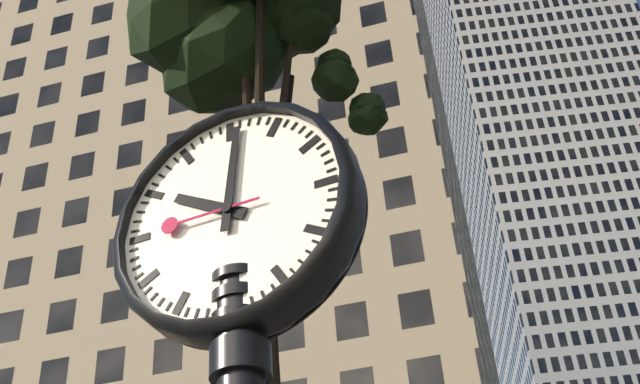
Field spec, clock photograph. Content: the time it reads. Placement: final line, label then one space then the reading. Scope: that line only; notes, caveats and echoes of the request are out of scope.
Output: 10:01:45
